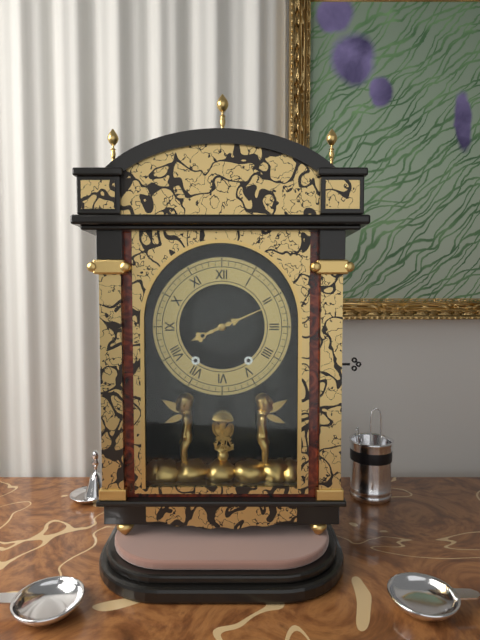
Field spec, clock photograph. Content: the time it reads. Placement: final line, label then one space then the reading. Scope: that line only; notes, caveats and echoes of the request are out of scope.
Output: 8:11
